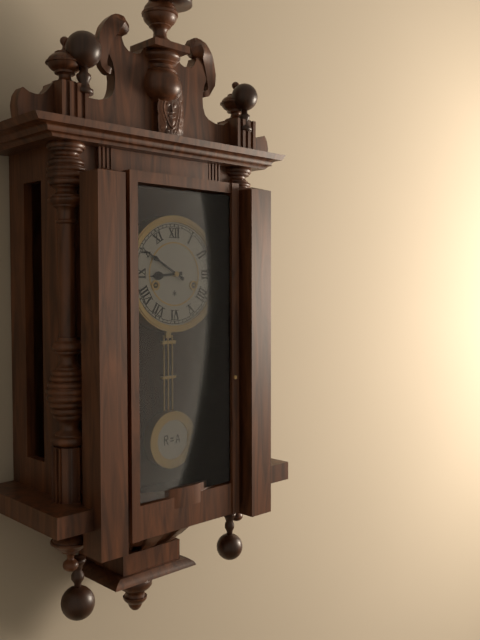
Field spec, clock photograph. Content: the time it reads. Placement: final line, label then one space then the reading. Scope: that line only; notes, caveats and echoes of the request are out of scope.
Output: 8:50
